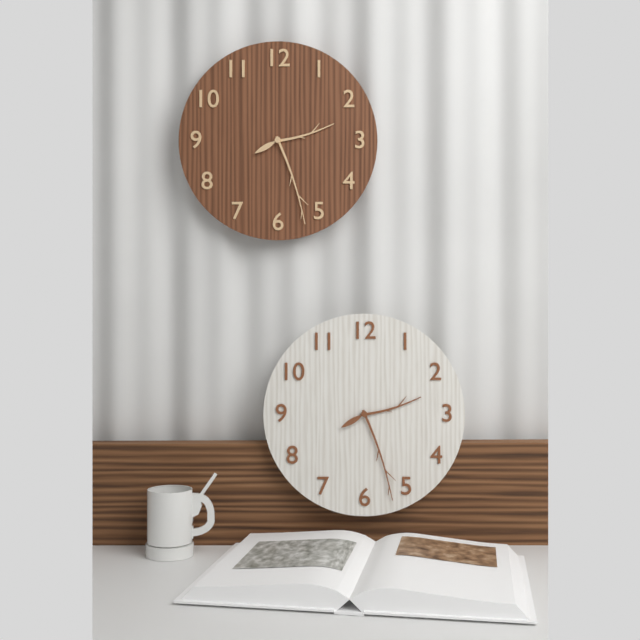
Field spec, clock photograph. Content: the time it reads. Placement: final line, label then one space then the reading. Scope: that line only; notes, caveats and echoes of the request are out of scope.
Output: 2:27
